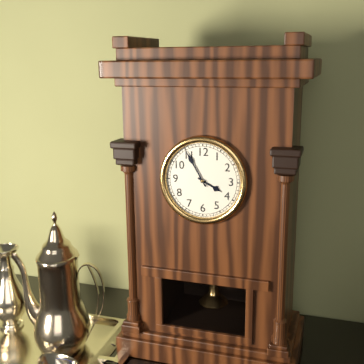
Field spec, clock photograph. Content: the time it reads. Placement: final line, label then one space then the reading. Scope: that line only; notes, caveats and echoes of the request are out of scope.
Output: 3:55
